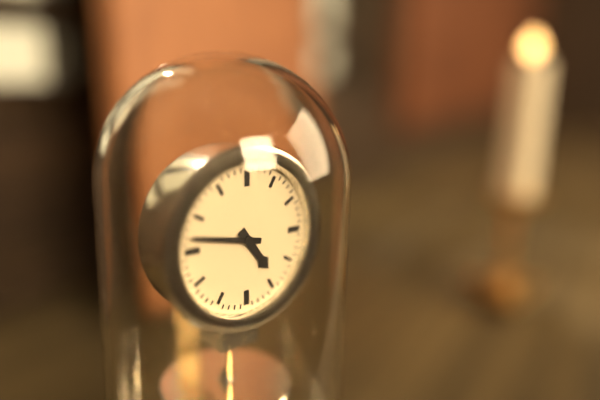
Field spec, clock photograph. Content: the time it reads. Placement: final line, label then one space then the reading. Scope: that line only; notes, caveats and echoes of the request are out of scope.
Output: 4:47
